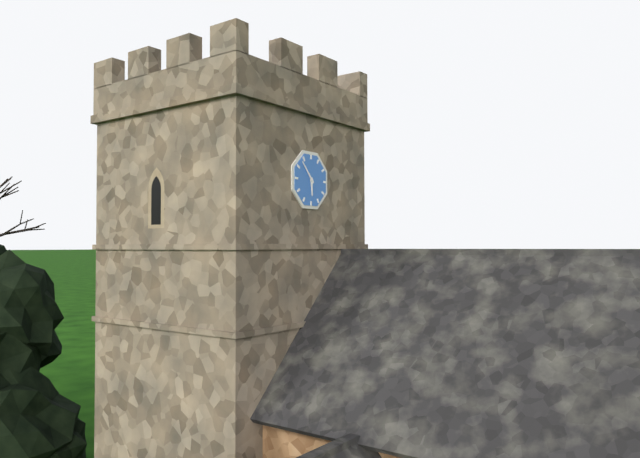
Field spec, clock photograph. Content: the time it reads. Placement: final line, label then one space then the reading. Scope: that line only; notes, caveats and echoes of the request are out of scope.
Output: 5:53
